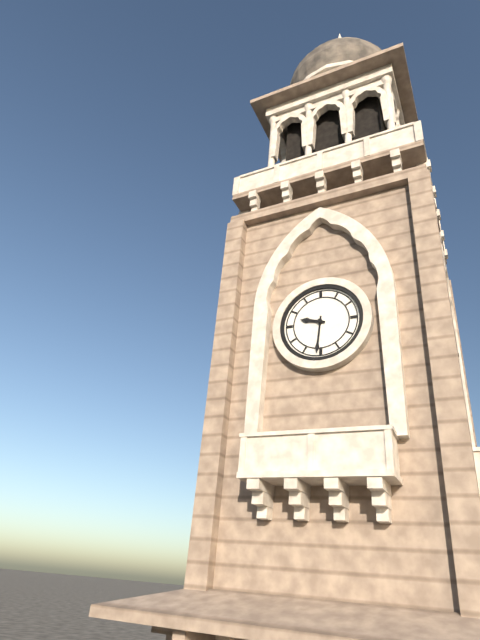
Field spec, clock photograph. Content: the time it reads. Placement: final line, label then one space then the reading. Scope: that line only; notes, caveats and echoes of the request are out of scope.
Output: 9:31
